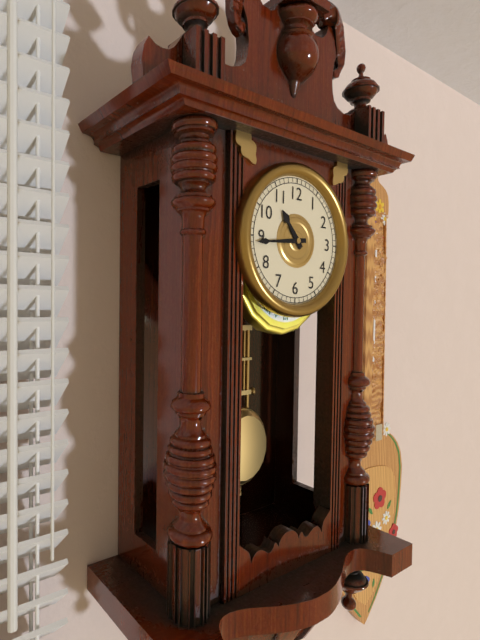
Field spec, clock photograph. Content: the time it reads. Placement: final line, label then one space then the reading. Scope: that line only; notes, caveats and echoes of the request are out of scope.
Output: 10:44
